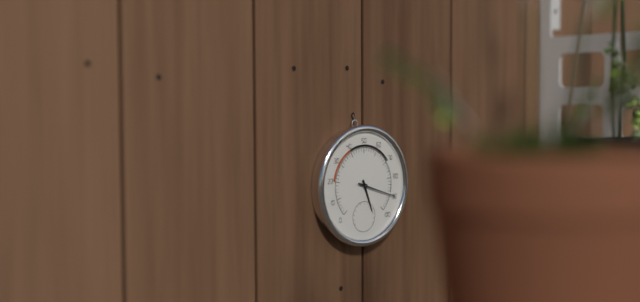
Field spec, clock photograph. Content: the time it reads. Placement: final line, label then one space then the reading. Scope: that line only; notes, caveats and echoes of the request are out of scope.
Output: 5:18
